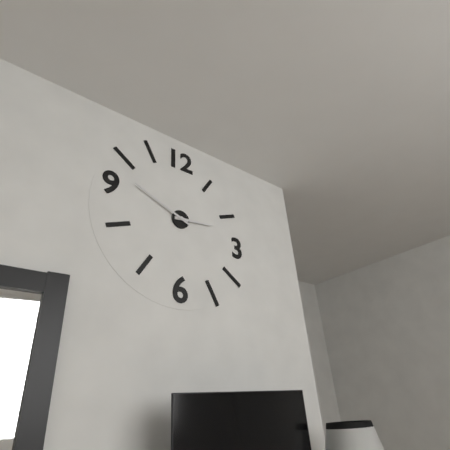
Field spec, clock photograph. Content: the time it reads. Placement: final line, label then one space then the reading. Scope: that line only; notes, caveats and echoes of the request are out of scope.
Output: 2:49
